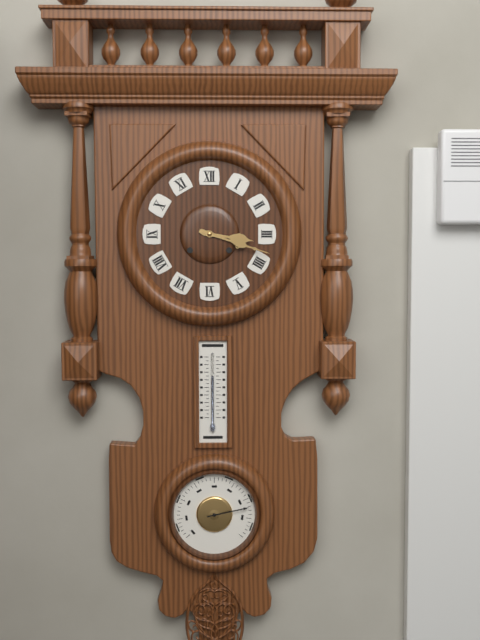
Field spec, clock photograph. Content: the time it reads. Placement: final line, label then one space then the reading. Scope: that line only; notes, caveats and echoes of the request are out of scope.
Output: 3:18
